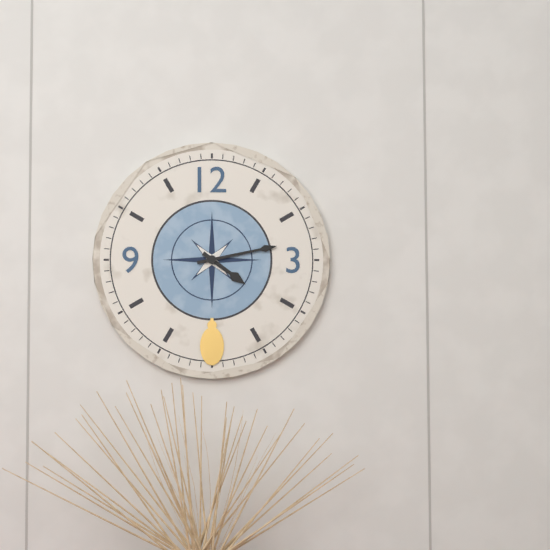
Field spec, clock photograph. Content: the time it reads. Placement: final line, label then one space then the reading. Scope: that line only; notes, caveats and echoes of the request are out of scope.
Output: 4:13
